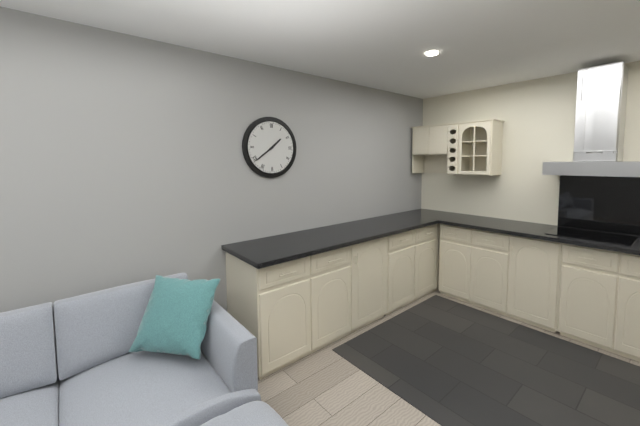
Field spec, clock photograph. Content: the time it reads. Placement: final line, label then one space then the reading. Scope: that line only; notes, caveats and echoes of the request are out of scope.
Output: 1:39
